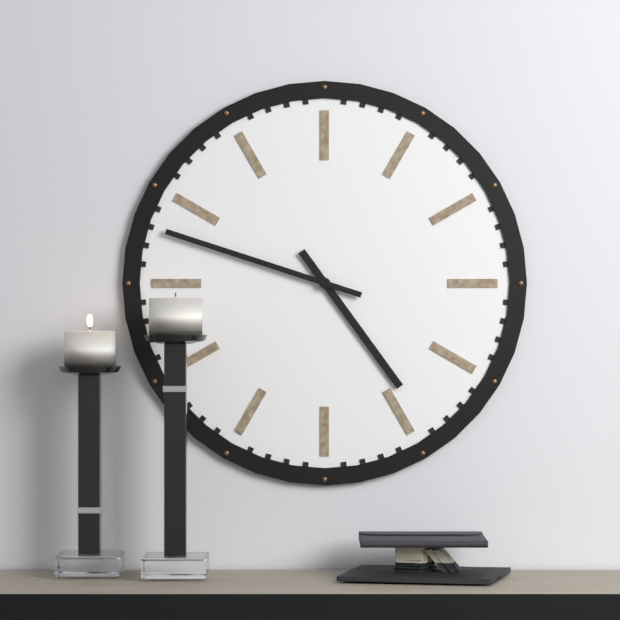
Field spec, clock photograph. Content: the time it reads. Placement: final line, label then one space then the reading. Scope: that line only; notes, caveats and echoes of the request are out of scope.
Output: 4:48
